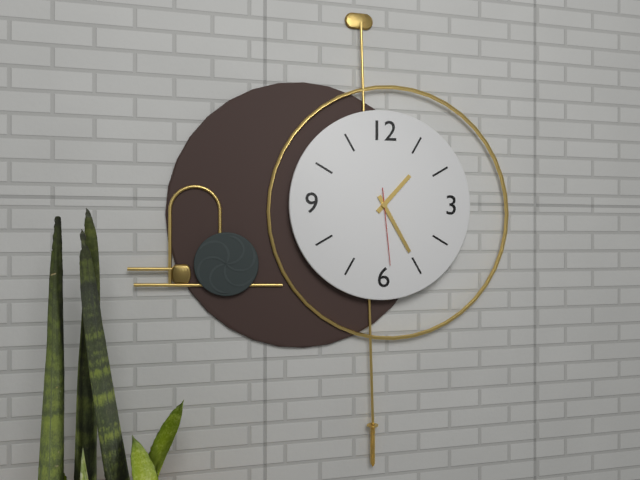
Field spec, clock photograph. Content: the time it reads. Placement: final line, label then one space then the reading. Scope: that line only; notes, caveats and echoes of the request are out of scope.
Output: 1:25:29
